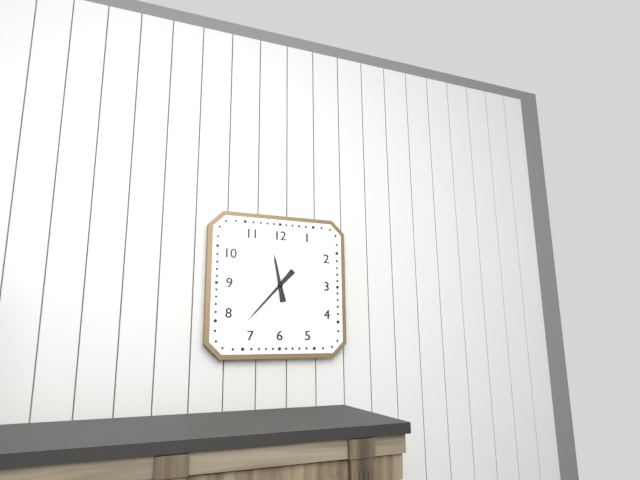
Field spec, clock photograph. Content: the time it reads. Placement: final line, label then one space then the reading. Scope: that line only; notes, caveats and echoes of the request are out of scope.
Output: 11:37
